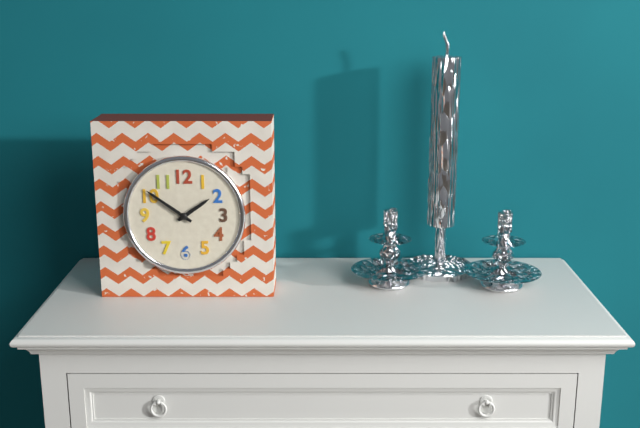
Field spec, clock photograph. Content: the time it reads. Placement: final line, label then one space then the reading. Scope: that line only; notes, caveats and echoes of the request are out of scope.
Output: 1:51
